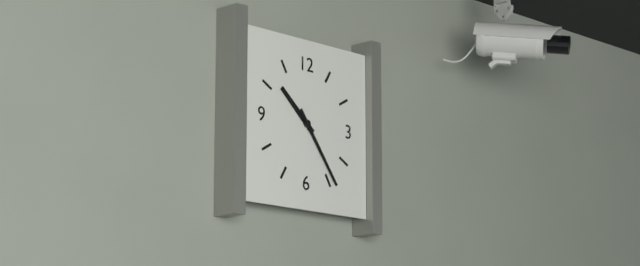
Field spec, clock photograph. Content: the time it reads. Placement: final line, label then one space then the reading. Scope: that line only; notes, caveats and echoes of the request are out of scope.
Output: 10:24
